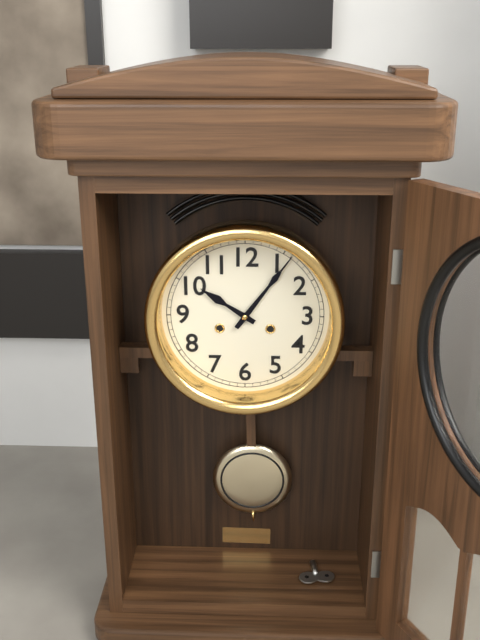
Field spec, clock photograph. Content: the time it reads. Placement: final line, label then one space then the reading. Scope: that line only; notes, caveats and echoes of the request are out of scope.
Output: 10:06
